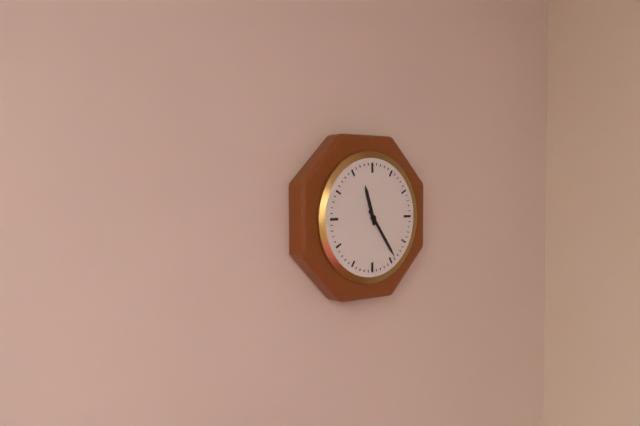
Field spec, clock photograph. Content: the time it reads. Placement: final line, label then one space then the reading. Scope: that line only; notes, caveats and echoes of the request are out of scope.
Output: 11:24
